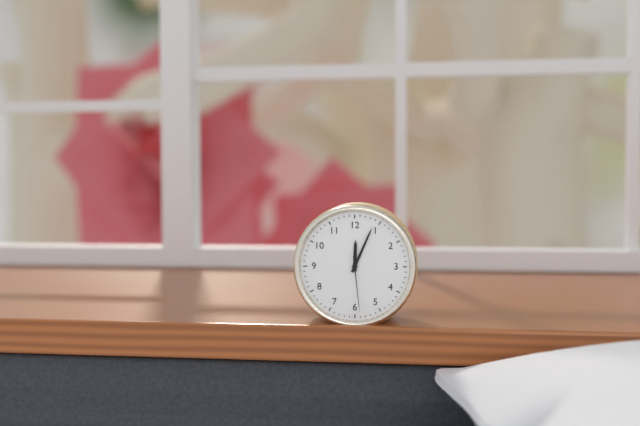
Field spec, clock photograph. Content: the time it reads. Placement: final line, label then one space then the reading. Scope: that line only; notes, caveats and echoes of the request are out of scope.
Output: 12:04:29
